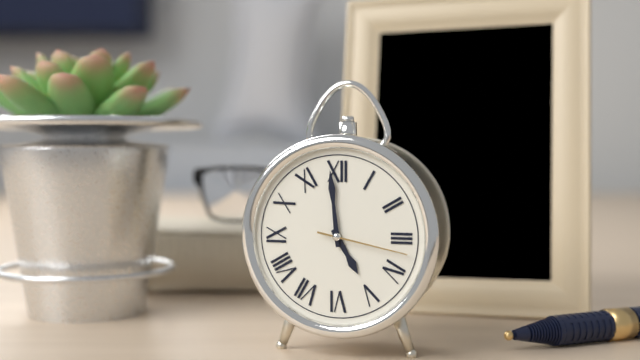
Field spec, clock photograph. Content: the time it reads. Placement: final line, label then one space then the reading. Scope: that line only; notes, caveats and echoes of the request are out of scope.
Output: 4:59:17
